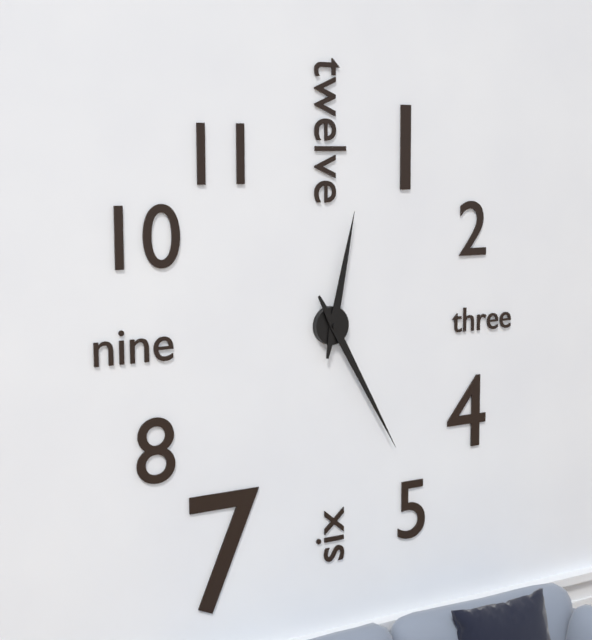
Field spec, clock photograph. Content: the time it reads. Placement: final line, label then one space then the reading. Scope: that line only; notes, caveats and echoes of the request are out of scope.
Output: 12:25
